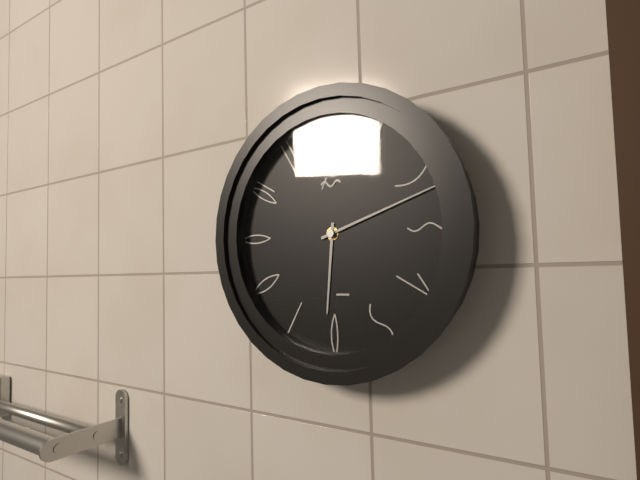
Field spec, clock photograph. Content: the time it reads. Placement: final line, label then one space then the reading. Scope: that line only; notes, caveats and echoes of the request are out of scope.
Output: 6:12
